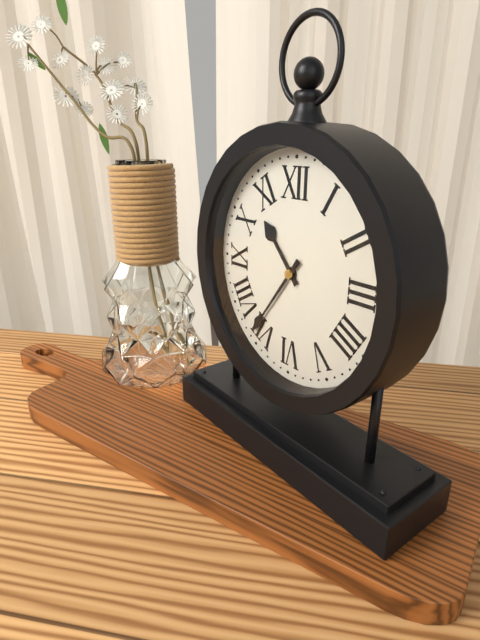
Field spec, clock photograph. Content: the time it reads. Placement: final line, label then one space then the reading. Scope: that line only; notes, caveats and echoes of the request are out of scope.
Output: 10:36
